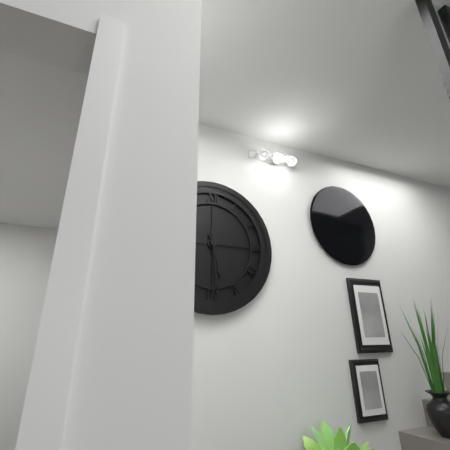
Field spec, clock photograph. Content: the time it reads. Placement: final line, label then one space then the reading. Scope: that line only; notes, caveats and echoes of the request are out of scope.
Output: 5:29
